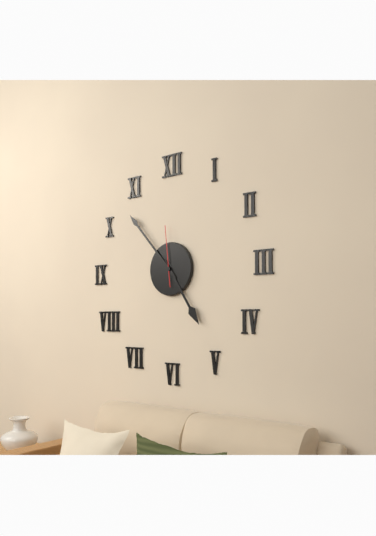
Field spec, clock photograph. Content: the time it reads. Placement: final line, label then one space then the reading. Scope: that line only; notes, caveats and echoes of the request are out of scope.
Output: 4:53:59
